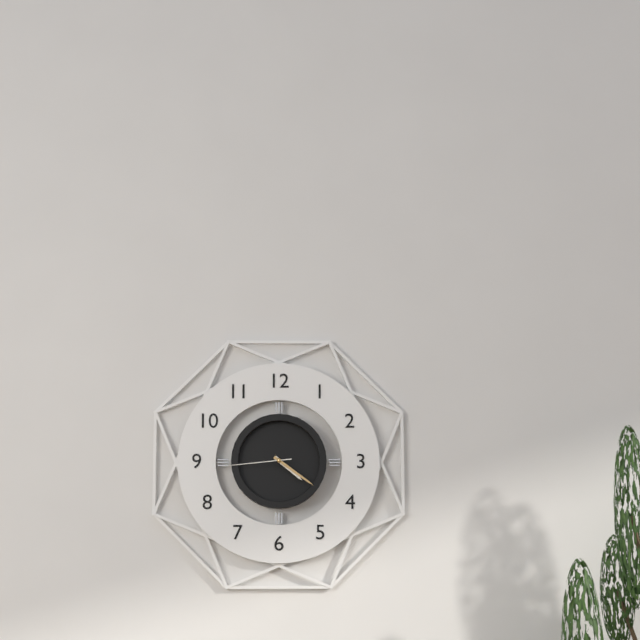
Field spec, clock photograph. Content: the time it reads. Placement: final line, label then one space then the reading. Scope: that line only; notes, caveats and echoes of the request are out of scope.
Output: 4:21:44
